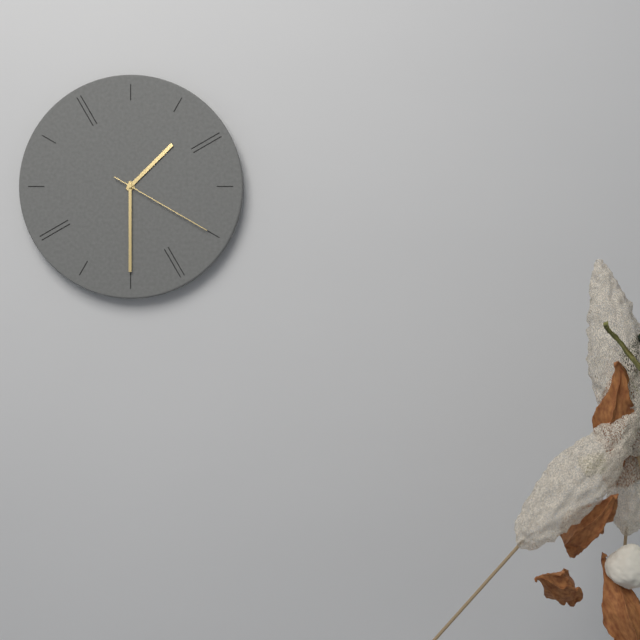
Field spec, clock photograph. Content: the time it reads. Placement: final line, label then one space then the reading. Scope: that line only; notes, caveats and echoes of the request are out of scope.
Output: 1:30:20
